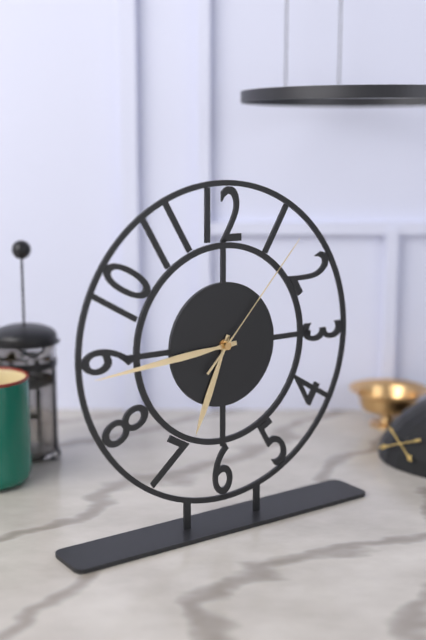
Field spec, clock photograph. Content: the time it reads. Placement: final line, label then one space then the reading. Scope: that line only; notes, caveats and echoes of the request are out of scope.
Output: 6:44:07
